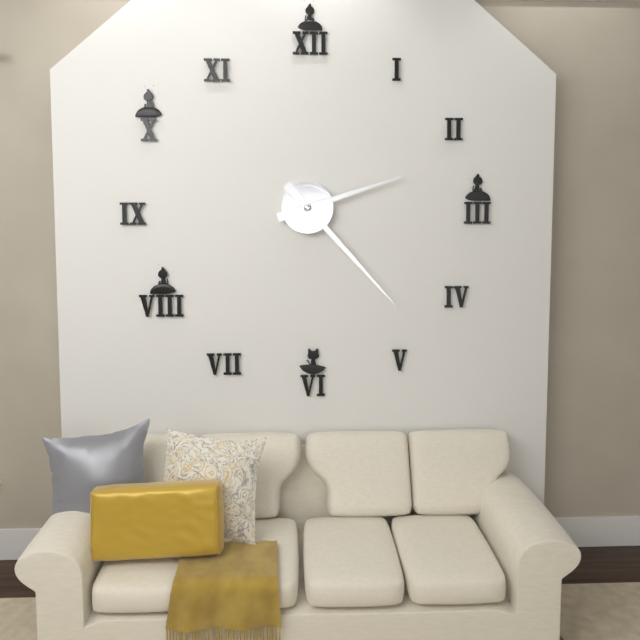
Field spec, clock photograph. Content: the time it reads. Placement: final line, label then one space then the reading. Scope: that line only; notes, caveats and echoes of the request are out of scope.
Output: 2:23
